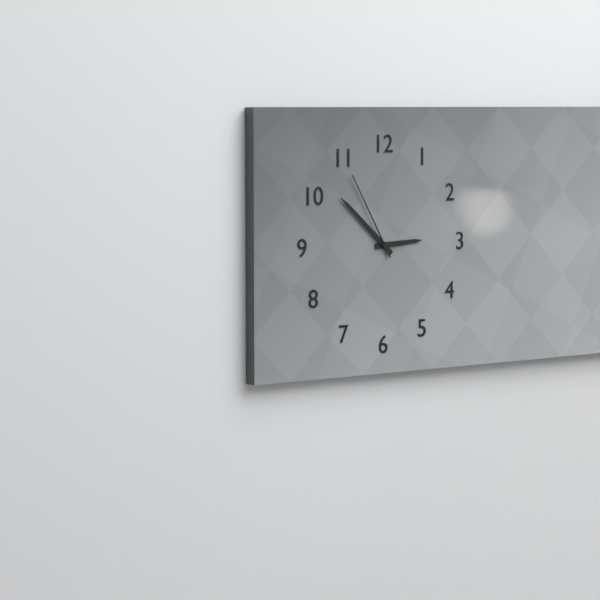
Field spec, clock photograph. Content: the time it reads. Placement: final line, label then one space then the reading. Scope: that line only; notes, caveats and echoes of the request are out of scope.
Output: 2:52:55
